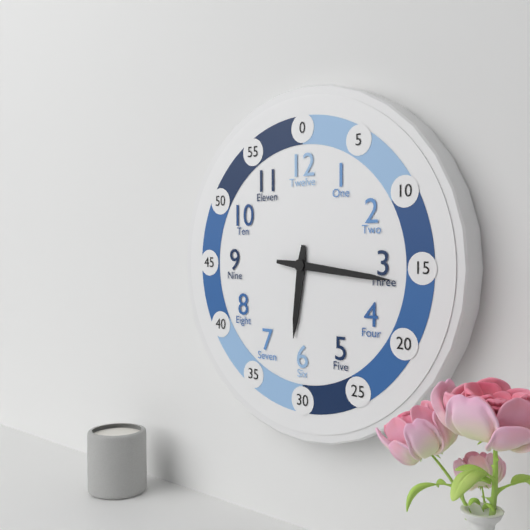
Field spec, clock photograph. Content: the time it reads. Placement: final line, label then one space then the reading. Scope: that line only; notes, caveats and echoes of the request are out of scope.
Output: 6:16
